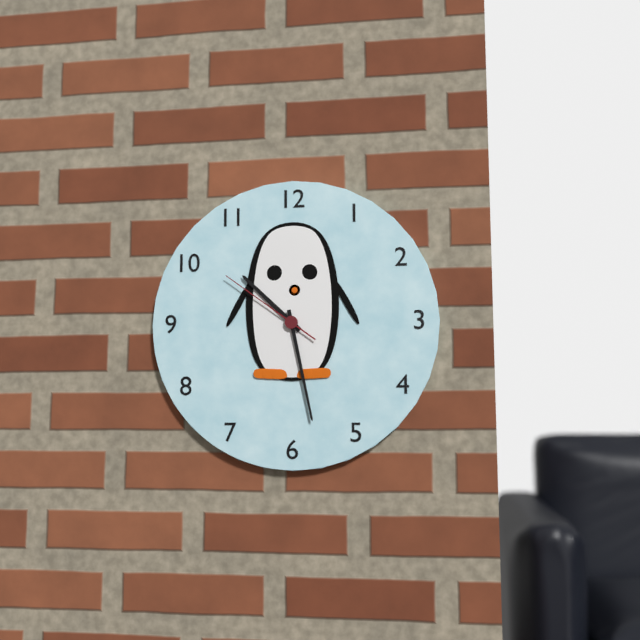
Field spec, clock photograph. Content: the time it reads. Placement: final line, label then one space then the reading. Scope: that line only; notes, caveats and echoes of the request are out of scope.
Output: 10:28:51
